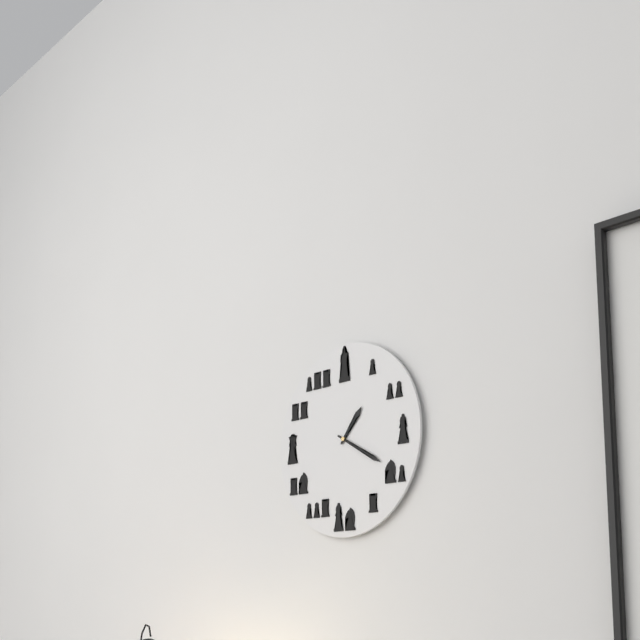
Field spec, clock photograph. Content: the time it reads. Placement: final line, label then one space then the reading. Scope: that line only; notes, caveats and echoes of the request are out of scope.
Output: 1:20
